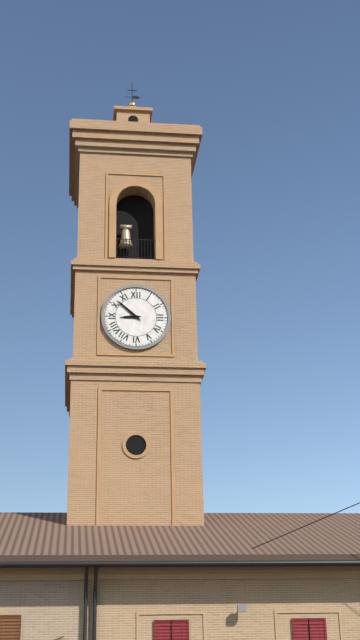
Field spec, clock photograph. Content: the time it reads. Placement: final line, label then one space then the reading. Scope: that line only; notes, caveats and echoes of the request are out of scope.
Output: 8:52
